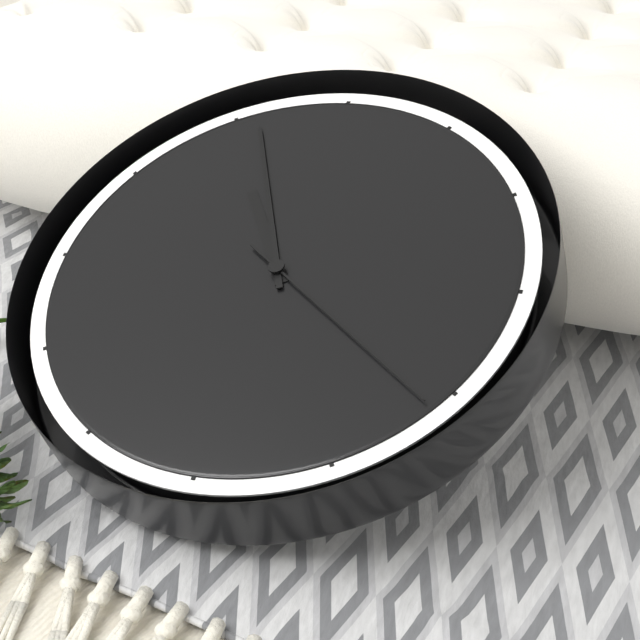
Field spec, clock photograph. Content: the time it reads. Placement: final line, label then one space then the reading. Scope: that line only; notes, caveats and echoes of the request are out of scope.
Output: 10:56:21
